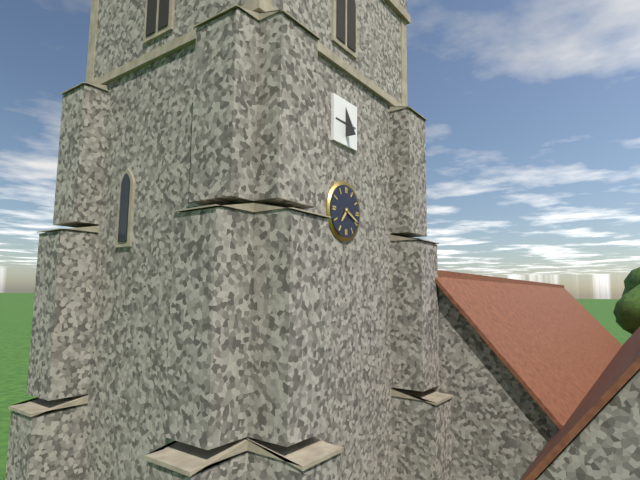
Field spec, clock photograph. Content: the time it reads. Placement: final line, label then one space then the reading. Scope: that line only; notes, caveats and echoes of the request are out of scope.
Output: 7:19
